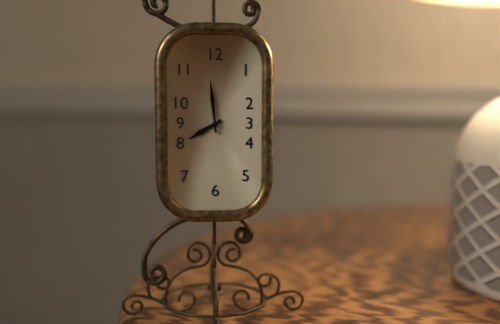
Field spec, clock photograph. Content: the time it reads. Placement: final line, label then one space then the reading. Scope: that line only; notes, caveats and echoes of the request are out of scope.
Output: 7:59
